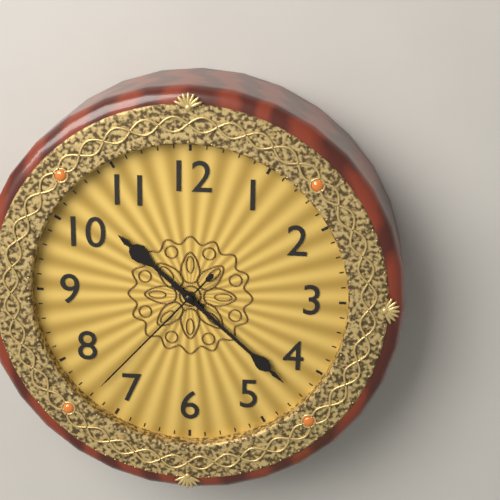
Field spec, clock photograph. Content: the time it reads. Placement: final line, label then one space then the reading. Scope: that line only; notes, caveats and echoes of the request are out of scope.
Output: 10:22:37
